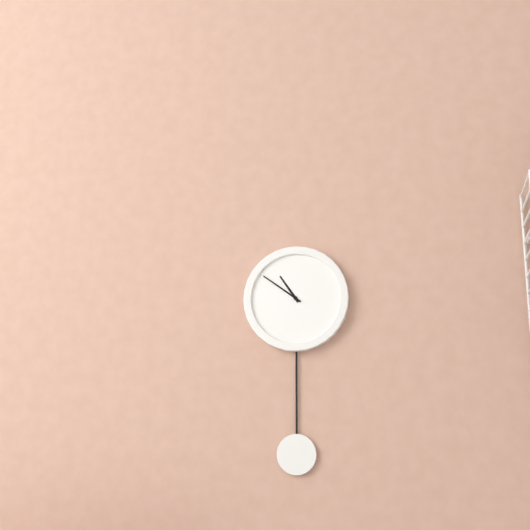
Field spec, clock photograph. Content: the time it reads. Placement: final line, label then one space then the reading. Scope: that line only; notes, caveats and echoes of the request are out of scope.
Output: 10:51
